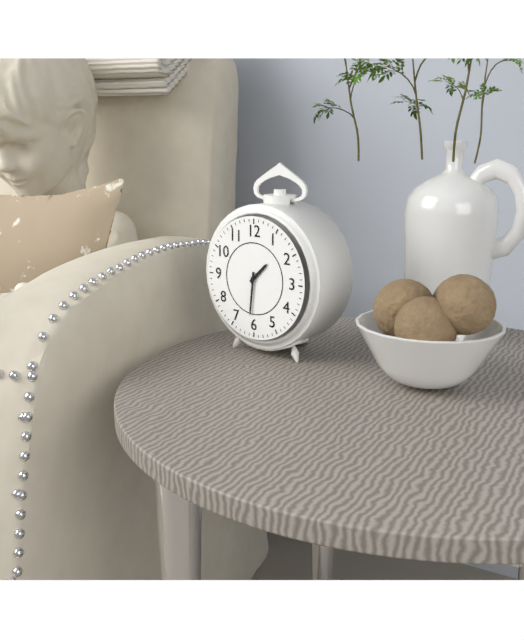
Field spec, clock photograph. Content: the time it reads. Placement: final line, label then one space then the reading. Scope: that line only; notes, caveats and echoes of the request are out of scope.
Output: 1:31
